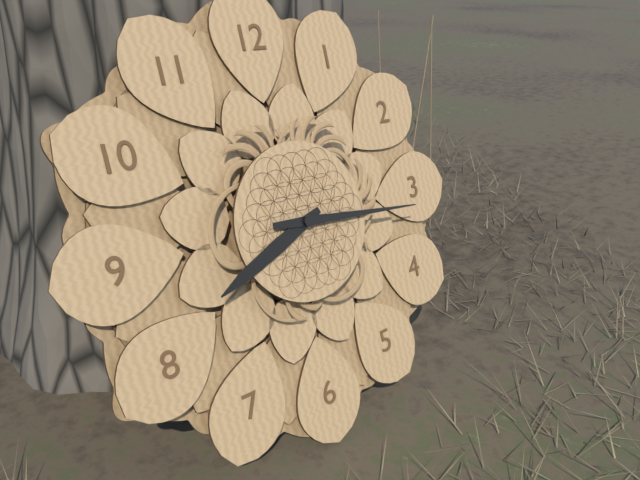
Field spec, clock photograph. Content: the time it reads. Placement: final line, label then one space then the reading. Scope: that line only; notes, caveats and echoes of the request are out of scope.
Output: 8:16
